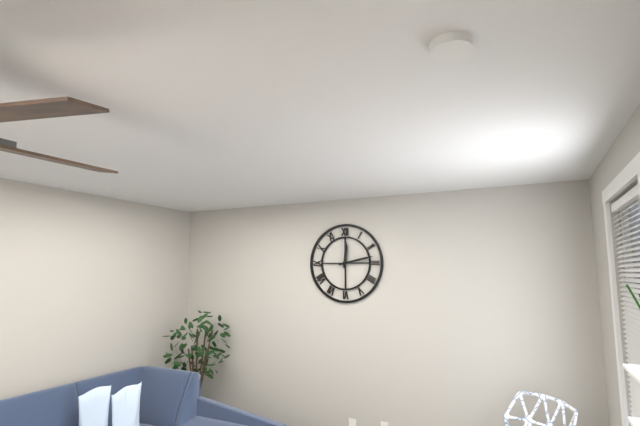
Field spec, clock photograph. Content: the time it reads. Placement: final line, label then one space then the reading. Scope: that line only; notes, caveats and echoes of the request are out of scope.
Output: 12:13
